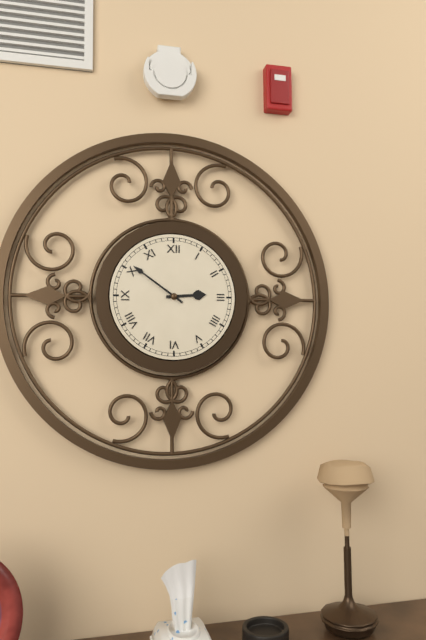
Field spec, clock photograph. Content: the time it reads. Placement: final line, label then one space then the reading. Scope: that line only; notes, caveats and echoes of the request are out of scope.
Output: 2:51
